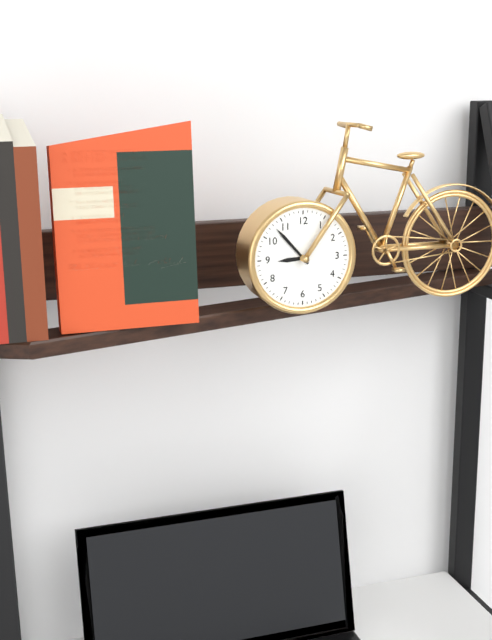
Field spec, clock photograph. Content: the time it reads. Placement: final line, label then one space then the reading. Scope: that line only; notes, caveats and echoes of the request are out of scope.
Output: 8:53
